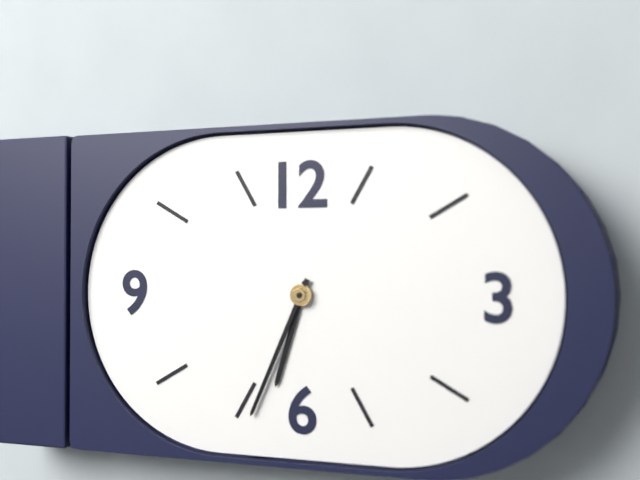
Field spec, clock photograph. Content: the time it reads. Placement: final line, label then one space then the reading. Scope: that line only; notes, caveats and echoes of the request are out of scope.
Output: 6:34
